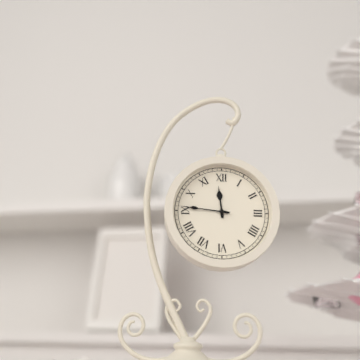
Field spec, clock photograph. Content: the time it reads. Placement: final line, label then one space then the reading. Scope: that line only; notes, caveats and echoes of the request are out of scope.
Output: 11:46
